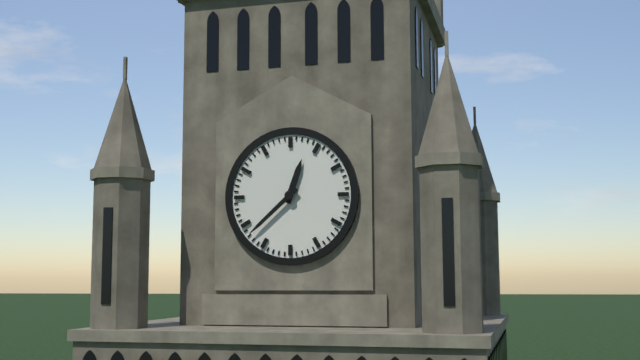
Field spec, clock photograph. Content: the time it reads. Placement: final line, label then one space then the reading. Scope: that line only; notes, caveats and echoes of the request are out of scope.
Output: 12:38
